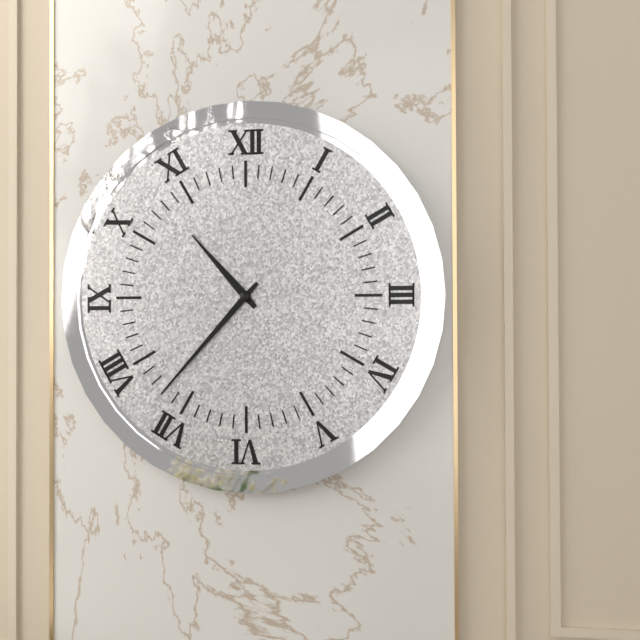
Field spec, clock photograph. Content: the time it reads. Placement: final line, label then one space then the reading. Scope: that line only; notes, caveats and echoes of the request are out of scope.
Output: 10:37
